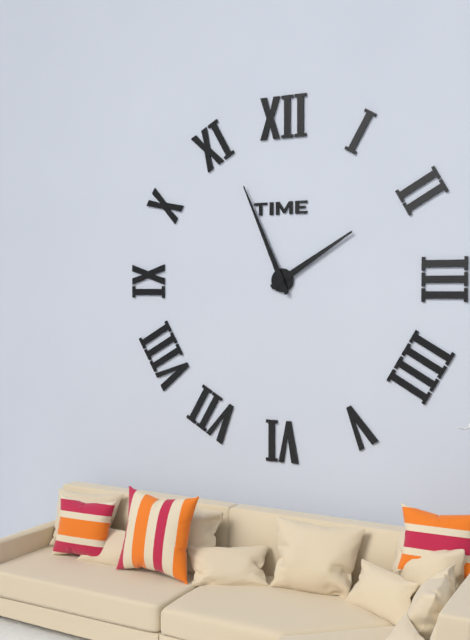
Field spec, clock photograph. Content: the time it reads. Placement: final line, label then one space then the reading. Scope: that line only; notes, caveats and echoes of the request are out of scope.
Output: 1:56
